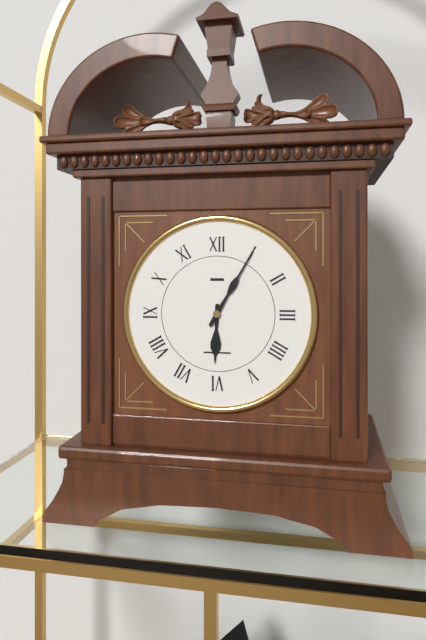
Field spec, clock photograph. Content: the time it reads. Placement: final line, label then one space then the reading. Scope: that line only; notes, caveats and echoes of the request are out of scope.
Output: 6:05
